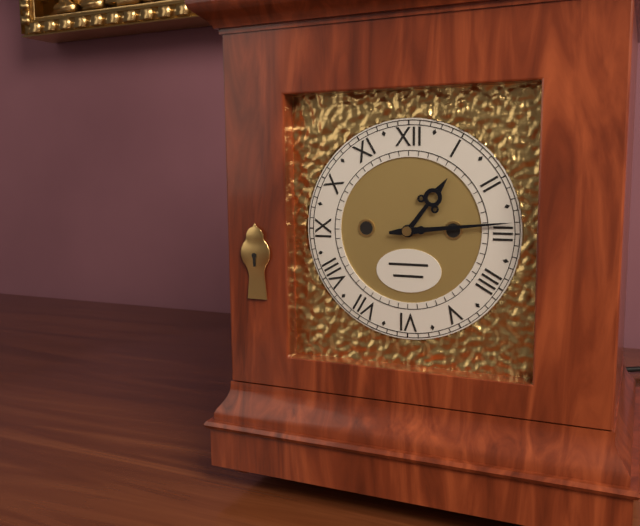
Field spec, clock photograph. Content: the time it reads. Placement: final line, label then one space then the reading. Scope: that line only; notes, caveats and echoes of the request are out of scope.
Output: 1:14
